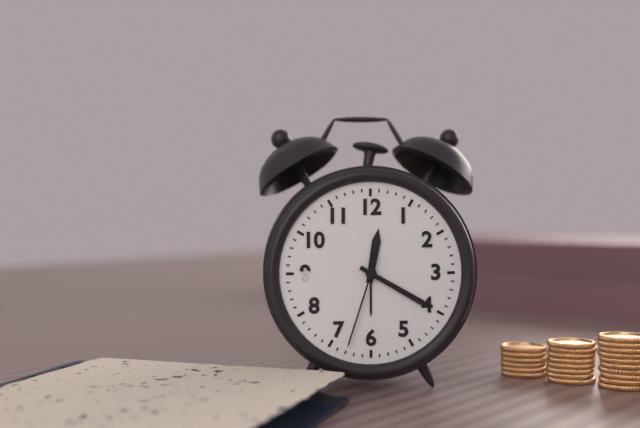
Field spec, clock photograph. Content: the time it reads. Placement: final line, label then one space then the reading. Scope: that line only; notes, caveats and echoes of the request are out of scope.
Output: 12:20:33
